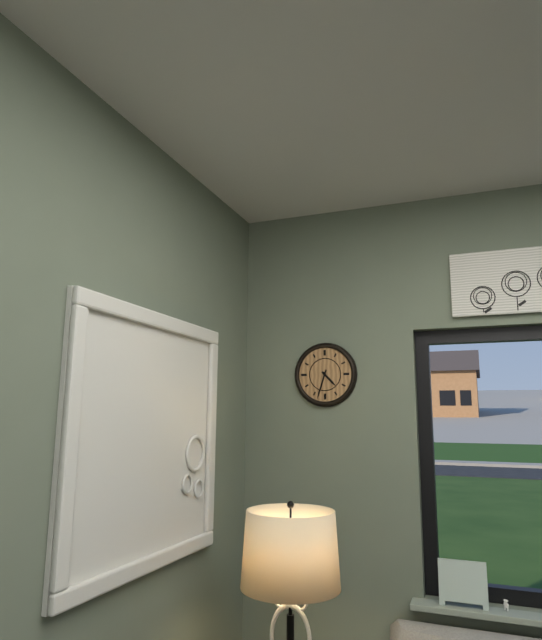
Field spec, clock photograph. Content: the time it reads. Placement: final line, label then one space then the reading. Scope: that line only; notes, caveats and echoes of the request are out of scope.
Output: 4:33
